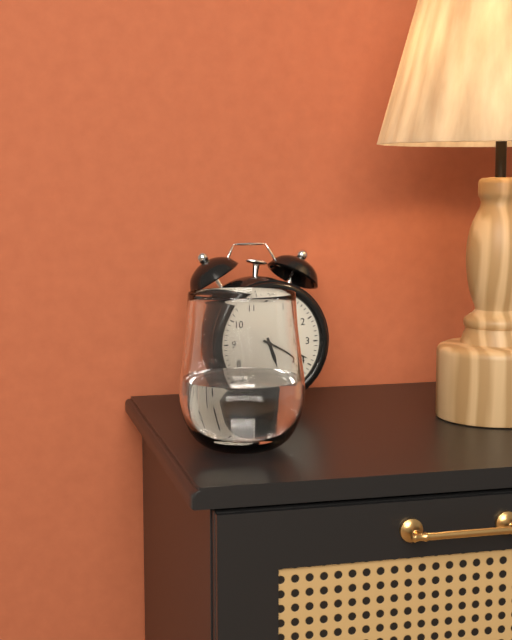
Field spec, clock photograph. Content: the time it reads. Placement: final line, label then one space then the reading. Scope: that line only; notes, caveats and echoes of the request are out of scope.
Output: 5:19
